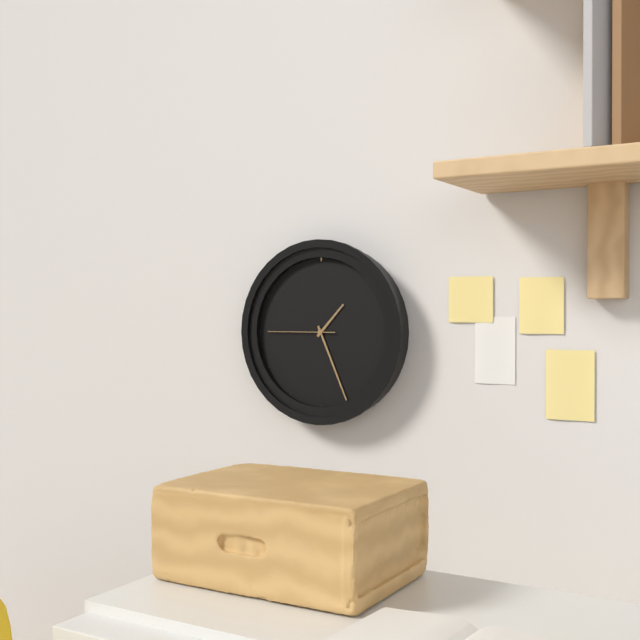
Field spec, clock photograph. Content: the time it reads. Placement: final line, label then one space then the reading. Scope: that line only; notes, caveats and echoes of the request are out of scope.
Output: 1:26:45
